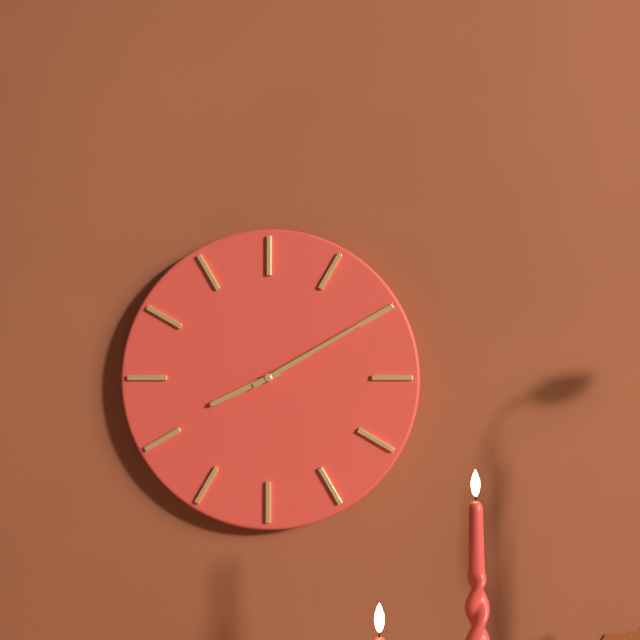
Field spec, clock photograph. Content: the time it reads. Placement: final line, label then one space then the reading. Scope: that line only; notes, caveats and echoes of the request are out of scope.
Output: 8:10
